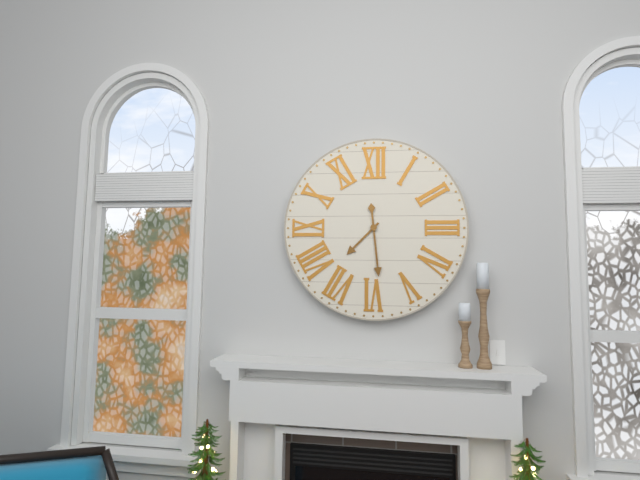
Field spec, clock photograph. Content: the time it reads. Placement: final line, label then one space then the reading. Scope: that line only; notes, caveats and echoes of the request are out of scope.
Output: 7:29
